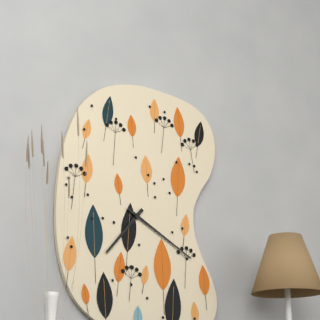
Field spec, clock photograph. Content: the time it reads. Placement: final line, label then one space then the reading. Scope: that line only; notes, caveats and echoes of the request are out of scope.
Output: 7:20
